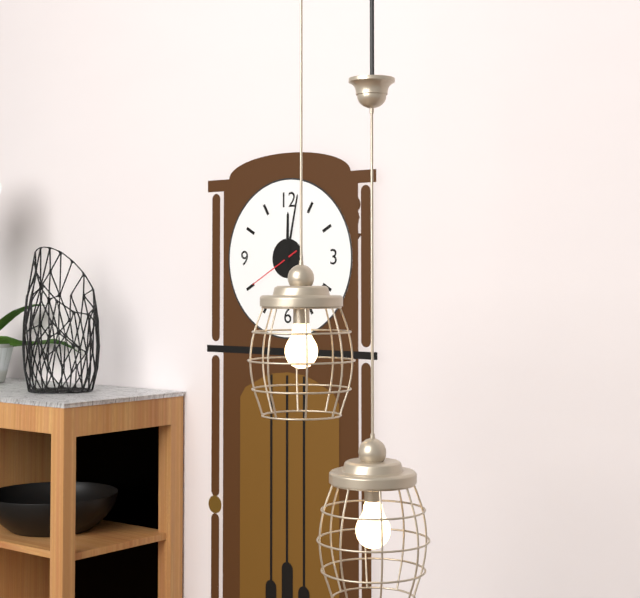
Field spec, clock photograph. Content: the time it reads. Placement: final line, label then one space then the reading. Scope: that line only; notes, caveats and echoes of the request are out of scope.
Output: 12:02:40
